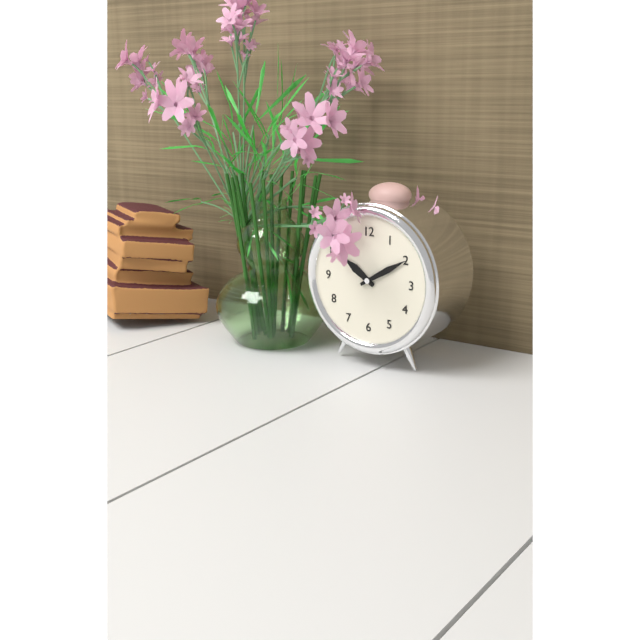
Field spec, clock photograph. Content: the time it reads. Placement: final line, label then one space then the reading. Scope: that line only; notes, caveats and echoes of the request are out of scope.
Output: 10:10
